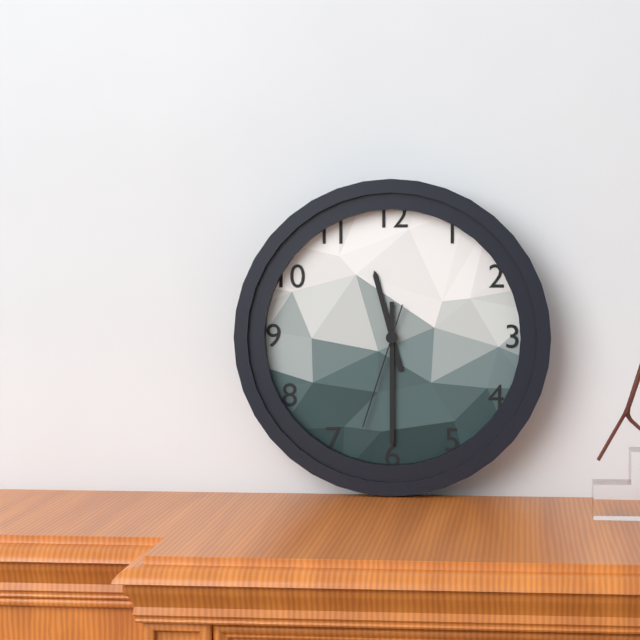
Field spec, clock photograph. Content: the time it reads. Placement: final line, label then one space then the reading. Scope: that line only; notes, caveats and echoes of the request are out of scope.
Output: 11:30:33
